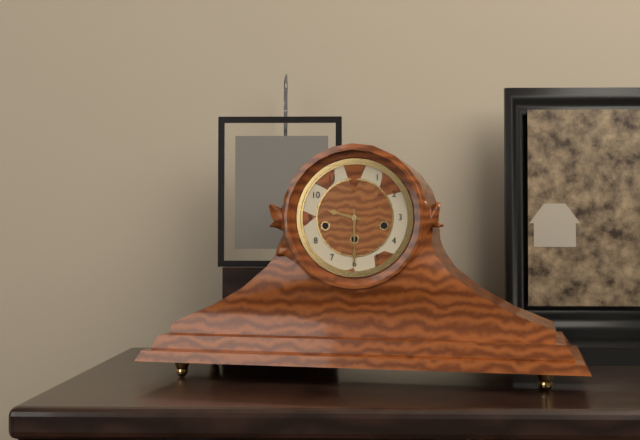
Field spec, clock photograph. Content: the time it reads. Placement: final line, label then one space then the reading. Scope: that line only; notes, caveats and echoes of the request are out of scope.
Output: 9:30
